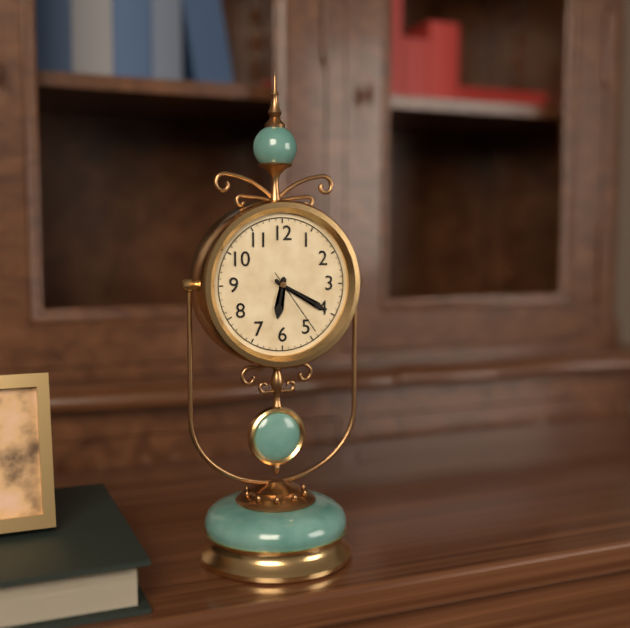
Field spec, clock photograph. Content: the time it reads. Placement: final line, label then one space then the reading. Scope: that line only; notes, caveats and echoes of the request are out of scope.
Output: 6:20:24
